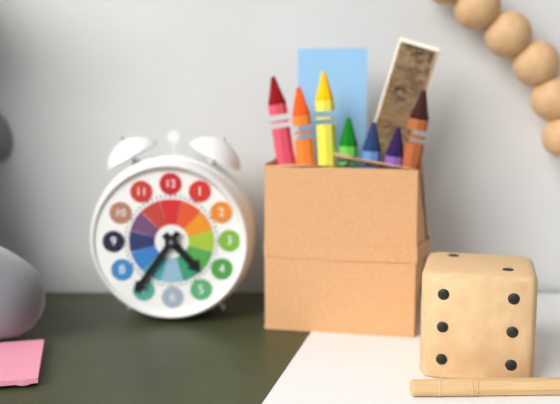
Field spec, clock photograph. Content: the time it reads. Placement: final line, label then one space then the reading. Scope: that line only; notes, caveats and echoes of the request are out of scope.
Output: 4:36
